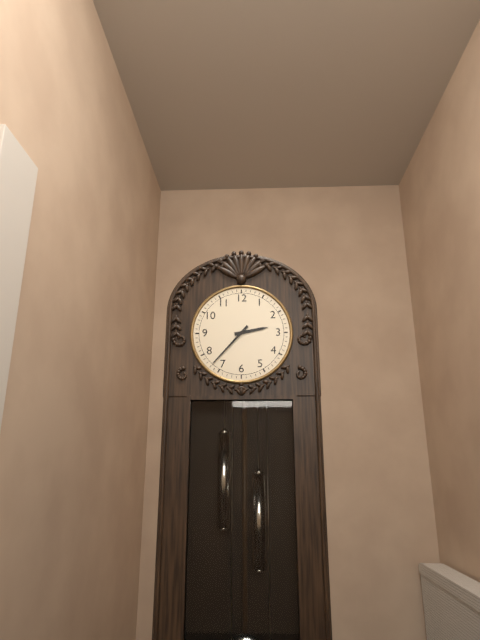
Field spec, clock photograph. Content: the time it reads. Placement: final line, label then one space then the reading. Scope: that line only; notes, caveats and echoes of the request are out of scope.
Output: 2:37
